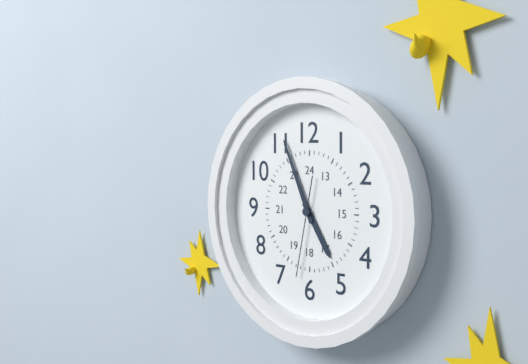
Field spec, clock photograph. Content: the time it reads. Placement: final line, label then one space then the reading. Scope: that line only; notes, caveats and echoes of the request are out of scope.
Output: 4:56:32
